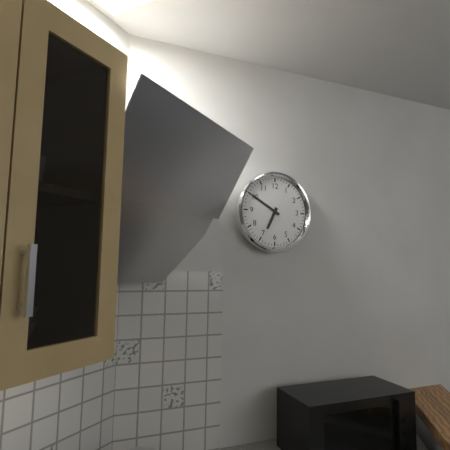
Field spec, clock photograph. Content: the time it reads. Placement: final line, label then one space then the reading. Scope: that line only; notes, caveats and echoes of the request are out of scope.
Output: 6:50
